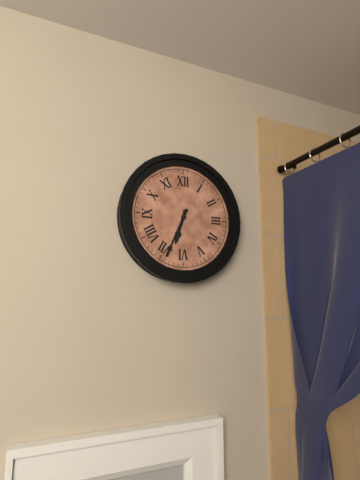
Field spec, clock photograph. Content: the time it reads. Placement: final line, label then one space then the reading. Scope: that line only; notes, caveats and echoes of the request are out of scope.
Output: 6:34
